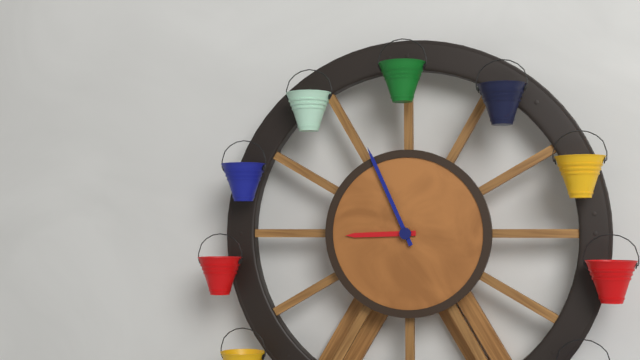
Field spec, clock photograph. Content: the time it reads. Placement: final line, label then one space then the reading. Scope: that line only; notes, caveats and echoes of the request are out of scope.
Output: 8:56
